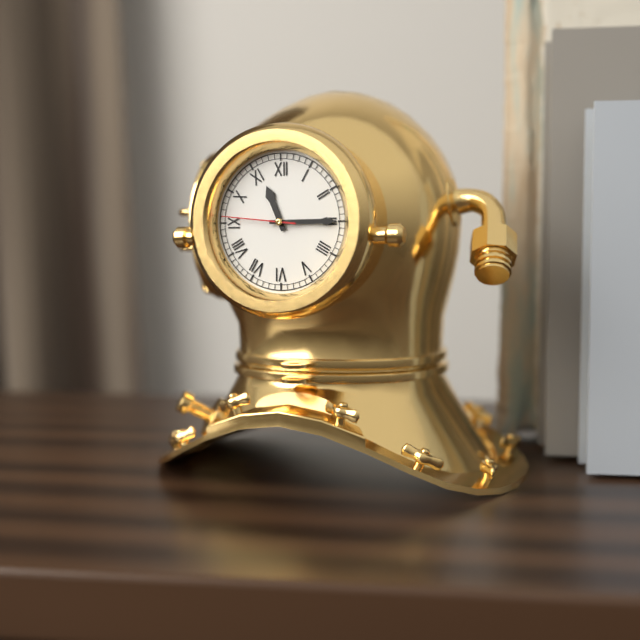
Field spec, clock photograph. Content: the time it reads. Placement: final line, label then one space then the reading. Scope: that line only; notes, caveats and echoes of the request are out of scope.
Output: 11:15:46
